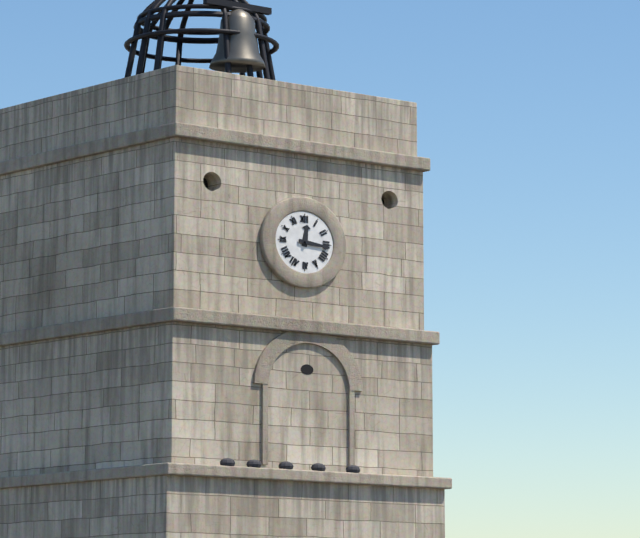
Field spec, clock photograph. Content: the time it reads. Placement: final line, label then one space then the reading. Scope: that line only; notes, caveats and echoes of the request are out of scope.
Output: 12:16
